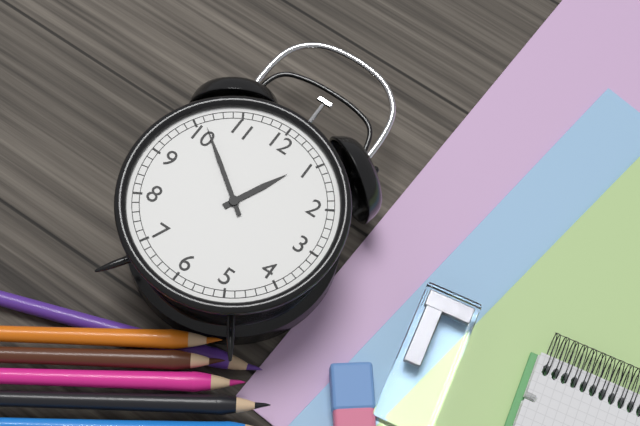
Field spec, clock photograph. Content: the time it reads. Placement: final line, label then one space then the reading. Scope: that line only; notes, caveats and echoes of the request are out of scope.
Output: 12:51
